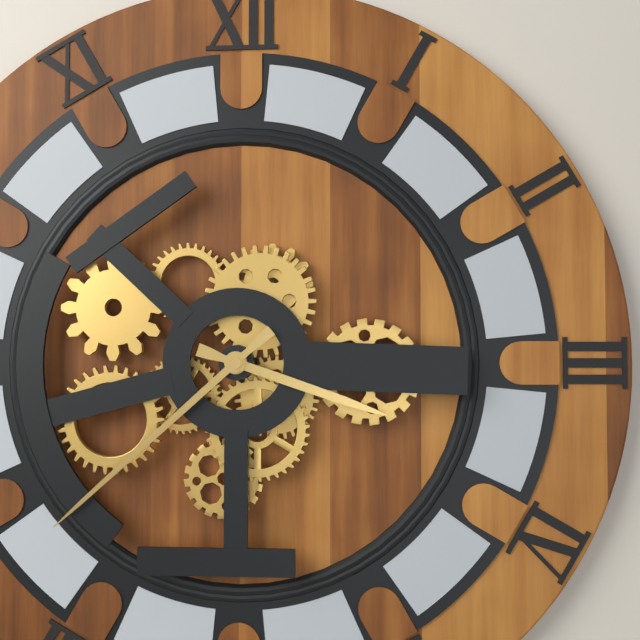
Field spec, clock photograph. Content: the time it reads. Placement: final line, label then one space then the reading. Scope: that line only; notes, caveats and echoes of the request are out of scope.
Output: 3:38
